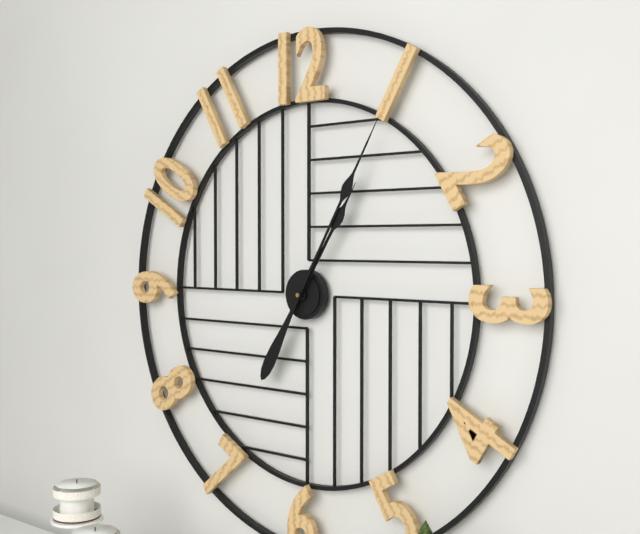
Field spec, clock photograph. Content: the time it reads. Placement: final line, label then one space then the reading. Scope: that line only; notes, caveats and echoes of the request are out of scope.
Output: 1:05
